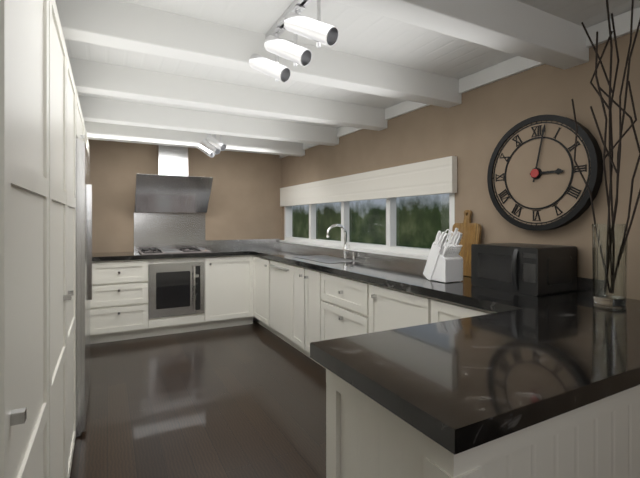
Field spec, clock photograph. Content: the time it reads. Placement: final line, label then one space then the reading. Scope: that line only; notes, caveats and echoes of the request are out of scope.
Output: 3:02
